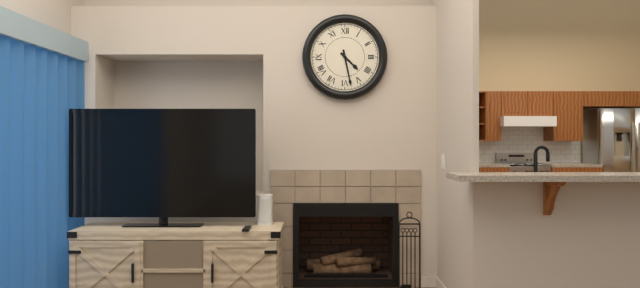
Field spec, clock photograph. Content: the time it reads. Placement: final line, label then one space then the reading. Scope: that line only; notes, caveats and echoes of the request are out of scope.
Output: 4:28
